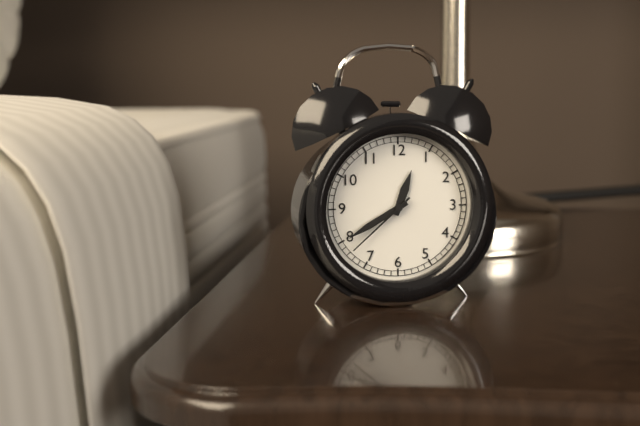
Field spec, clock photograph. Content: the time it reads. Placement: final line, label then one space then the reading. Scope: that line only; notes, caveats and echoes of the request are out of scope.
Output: 12:40:38
